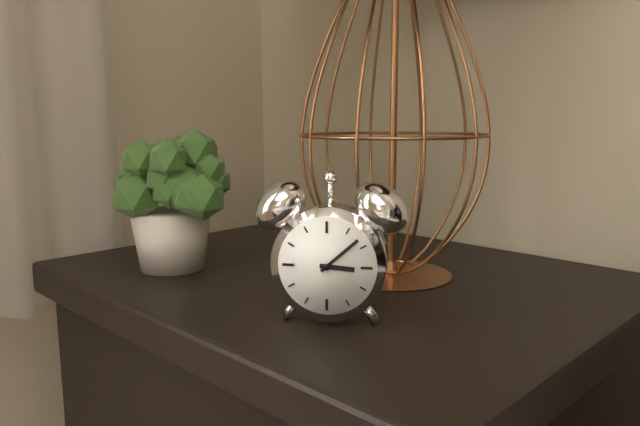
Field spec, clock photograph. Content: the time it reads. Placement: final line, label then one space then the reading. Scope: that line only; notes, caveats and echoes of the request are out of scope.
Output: 3:08
